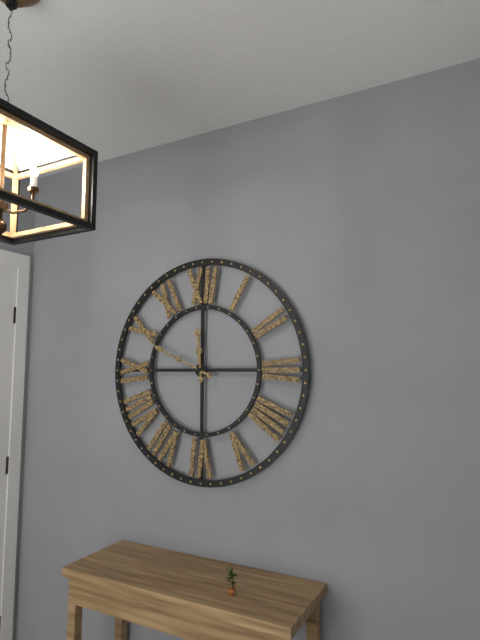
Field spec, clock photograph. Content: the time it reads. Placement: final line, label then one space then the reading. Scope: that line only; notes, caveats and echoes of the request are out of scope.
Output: 11:49
